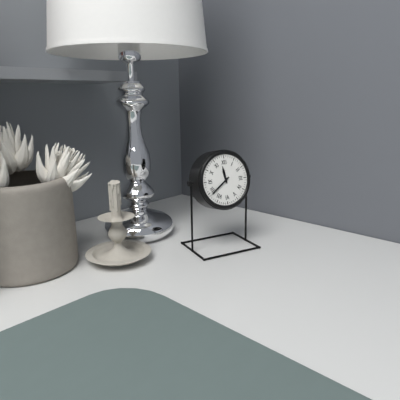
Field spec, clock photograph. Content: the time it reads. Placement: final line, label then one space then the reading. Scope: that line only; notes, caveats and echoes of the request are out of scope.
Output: 11:39
